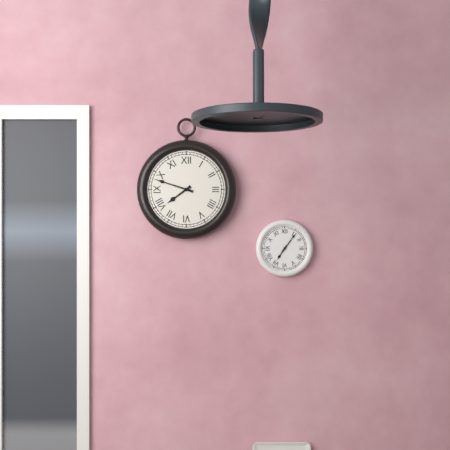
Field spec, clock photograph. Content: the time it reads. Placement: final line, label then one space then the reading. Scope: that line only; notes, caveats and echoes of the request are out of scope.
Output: 7:48
